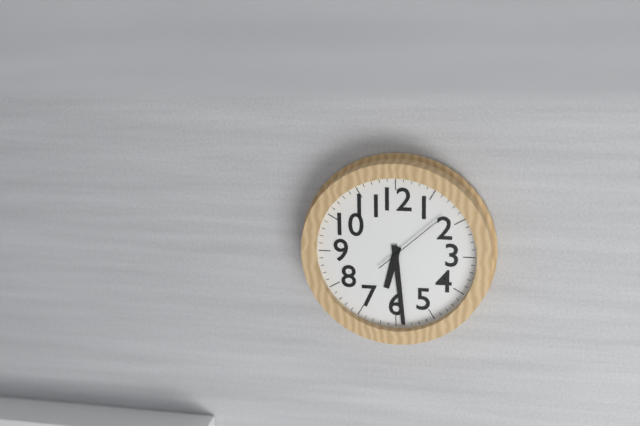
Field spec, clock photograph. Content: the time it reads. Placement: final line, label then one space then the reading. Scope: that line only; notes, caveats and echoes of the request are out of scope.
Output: 6:29:08
